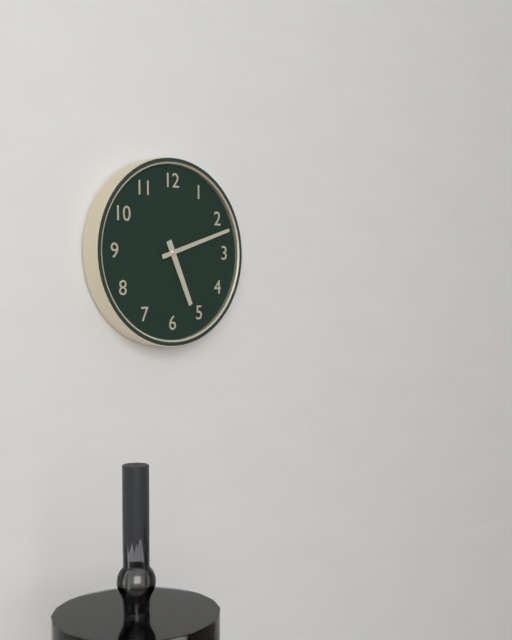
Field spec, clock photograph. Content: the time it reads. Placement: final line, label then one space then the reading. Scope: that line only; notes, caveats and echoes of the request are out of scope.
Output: 5:12
